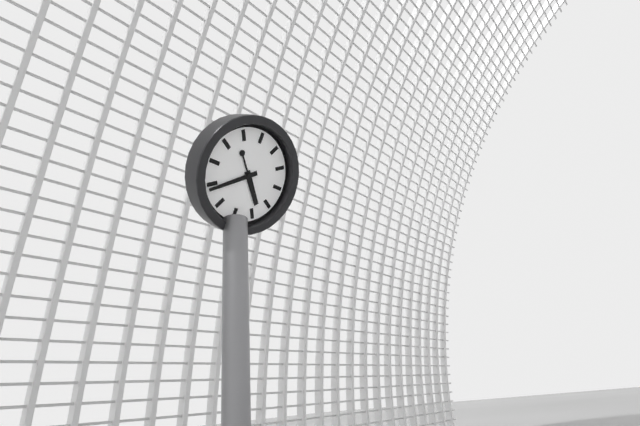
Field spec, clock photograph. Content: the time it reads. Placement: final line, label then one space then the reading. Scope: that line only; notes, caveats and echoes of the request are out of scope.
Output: 4:39
